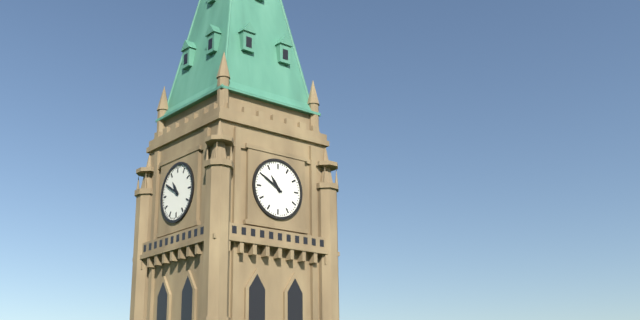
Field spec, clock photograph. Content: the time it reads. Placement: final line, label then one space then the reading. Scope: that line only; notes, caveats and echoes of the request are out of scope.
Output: 10:50
